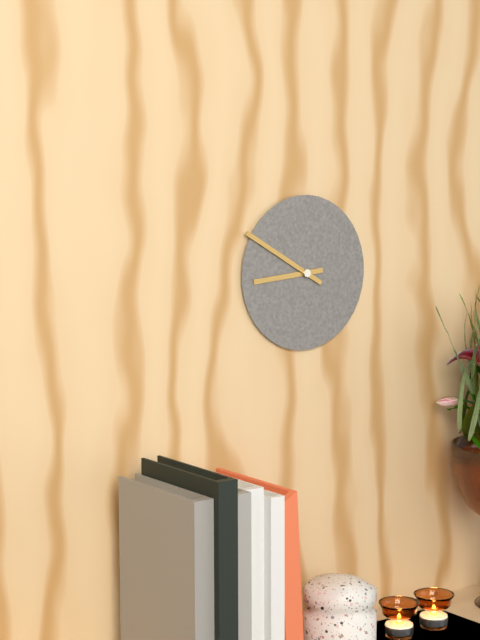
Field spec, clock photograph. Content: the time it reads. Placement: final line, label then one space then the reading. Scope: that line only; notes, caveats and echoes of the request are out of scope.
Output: 8:50
